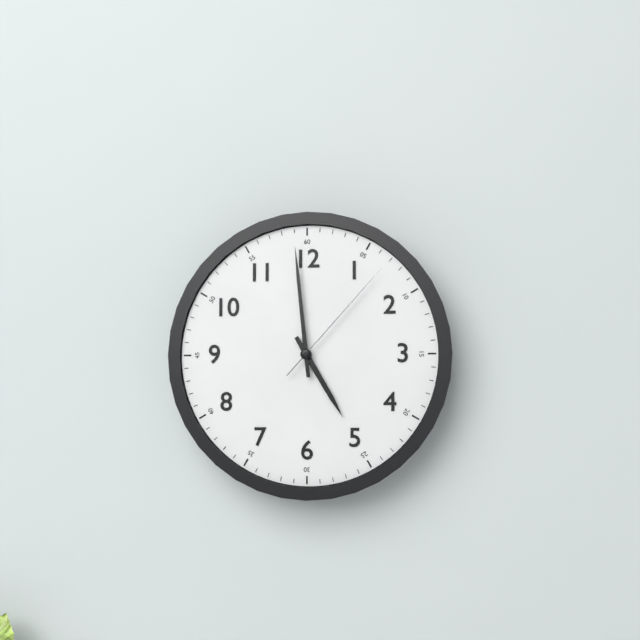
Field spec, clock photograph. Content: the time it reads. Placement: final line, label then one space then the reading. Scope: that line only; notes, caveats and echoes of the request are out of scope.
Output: 4:59:07
